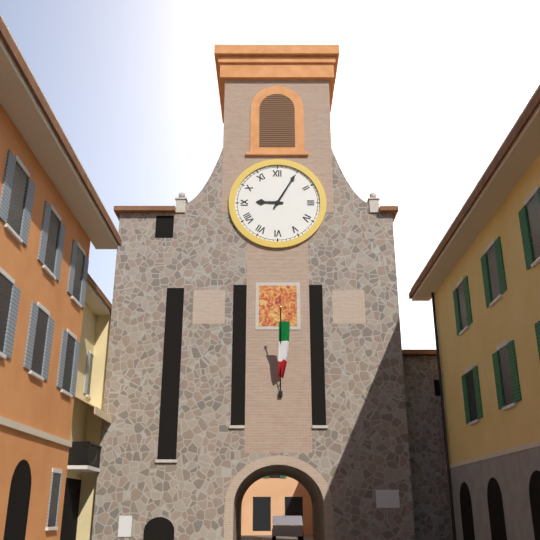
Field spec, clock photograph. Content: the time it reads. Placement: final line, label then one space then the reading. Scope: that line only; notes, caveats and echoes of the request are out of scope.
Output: 9:05
